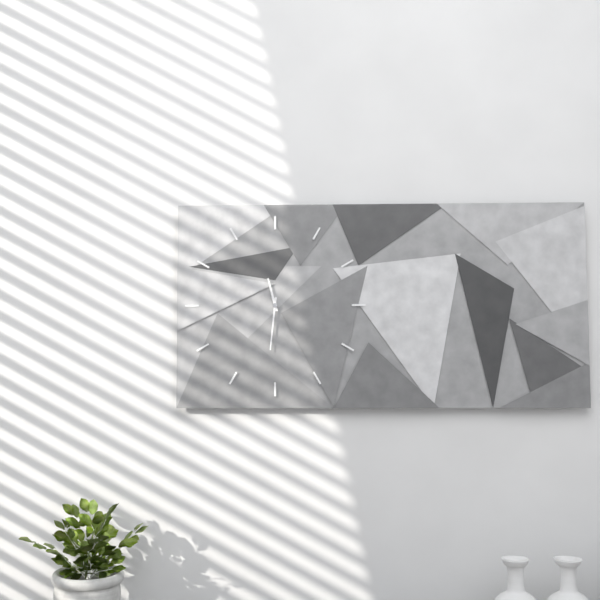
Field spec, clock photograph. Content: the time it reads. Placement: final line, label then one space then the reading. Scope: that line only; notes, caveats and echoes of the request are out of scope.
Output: 11:31
